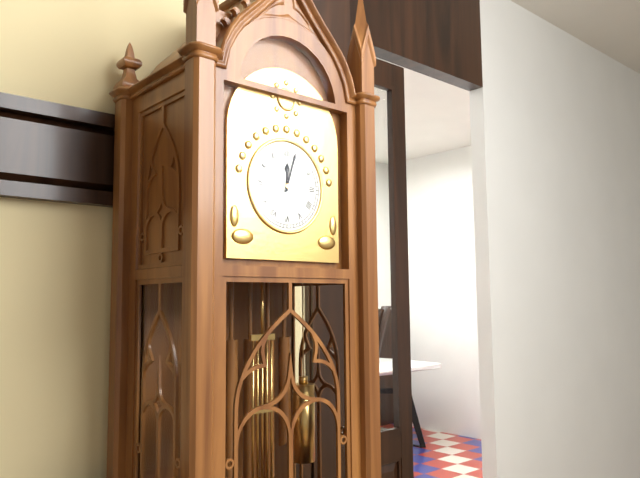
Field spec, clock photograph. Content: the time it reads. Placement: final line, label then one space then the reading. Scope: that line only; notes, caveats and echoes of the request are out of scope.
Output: 12:03
